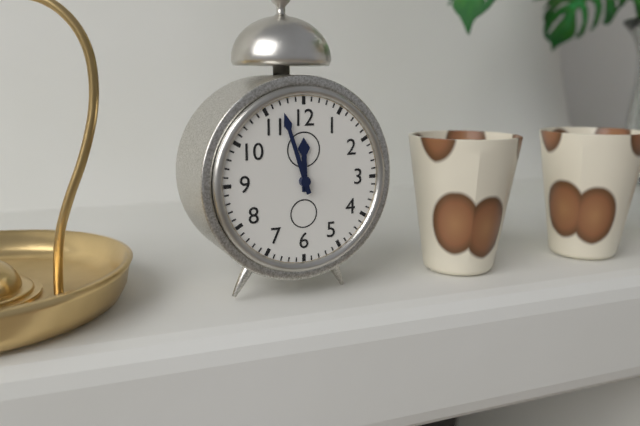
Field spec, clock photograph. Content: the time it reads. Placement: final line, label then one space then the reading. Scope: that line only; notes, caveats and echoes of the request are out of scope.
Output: 11:57
